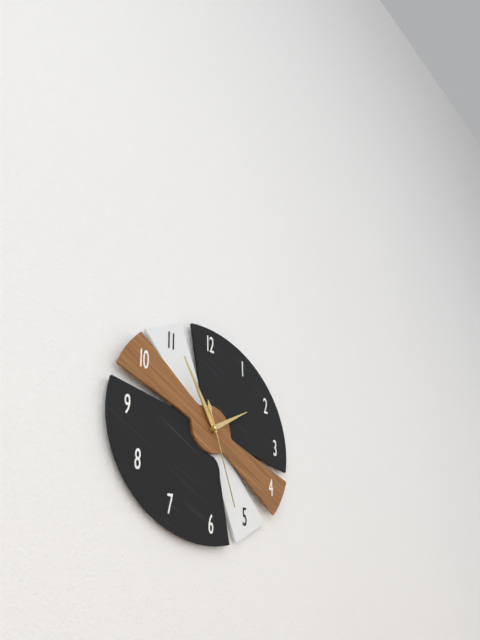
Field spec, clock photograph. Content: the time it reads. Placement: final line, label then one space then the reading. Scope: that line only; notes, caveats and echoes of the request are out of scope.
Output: 1:55:27
